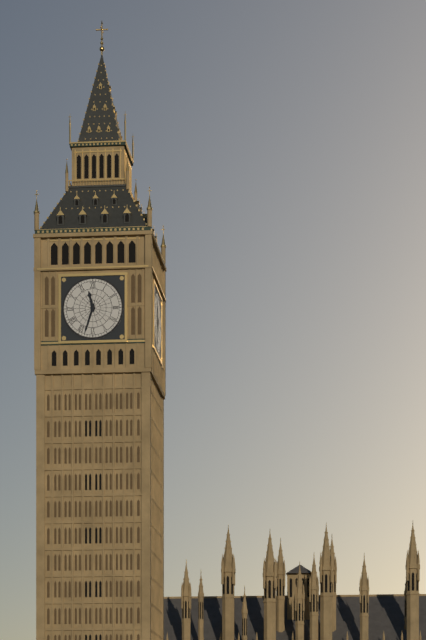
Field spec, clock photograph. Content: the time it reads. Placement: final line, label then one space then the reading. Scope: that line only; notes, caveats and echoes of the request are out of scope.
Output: 11:33
